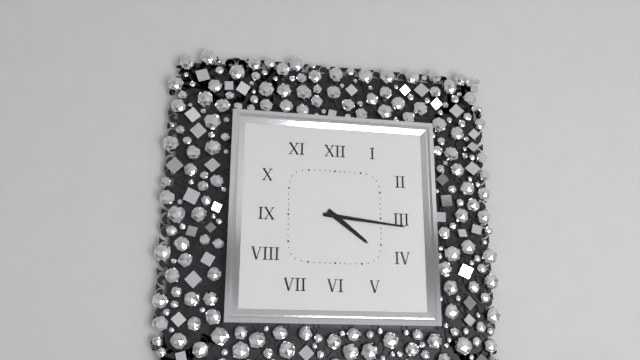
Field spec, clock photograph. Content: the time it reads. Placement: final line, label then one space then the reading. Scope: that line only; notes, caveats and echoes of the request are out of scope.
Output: 4:16
